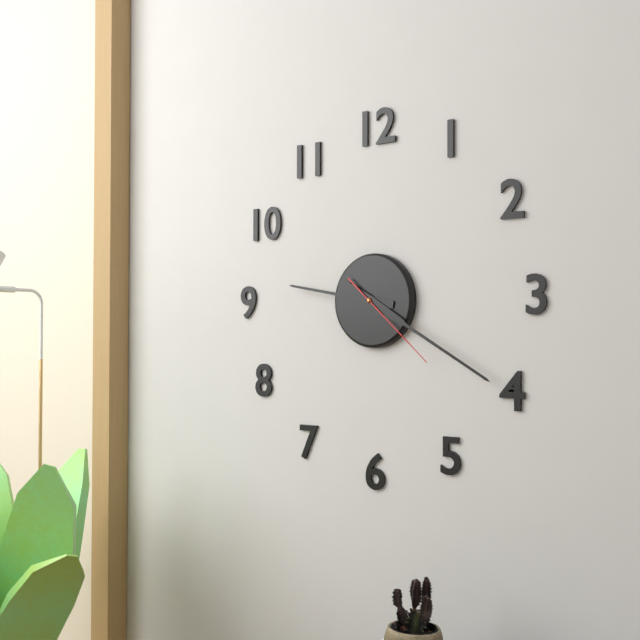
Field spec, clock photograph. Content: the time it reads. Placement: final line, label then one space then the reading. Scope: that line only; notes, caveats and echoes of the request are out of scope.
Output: 9:20:22
